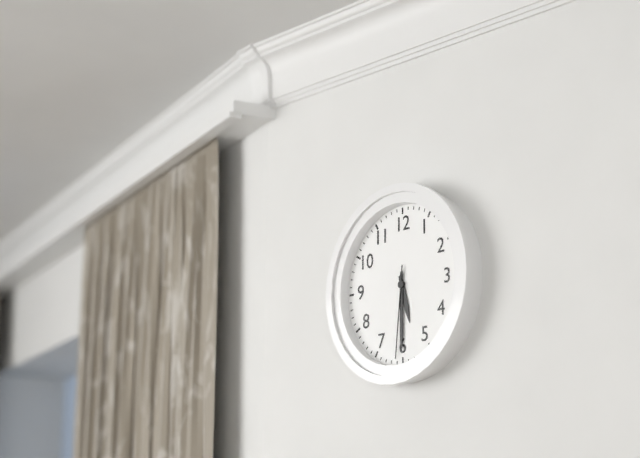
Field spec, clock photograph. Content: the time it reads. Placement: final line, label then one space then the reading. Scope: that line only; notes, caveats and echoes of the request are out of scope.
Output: 5:30:31
